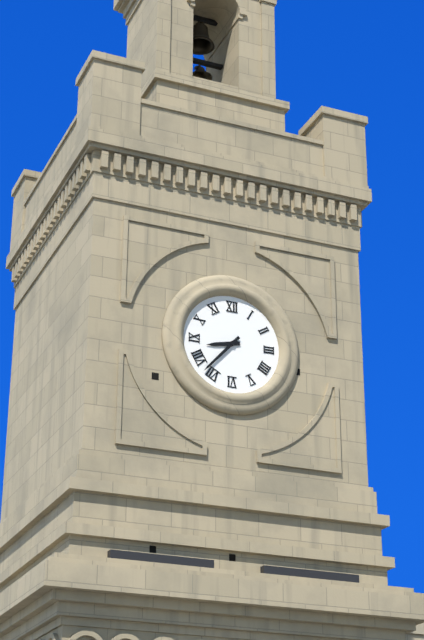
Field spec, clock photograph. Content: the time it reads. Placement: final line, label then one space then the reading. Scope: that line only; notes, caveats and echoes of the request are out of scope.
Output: 8:37
